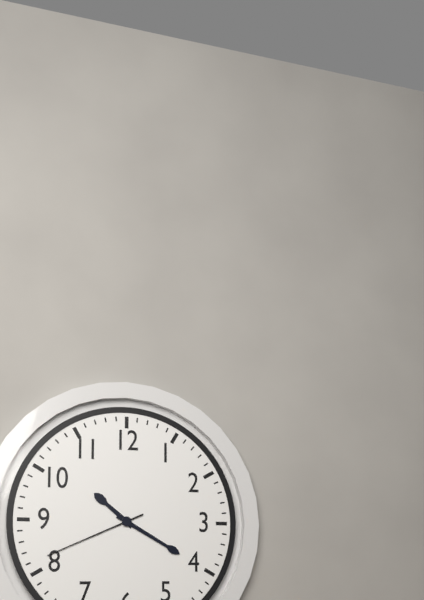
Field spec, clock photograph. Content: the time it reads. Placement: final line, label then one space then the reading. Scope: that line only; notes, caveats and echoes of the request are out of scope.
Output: 10:20:41
